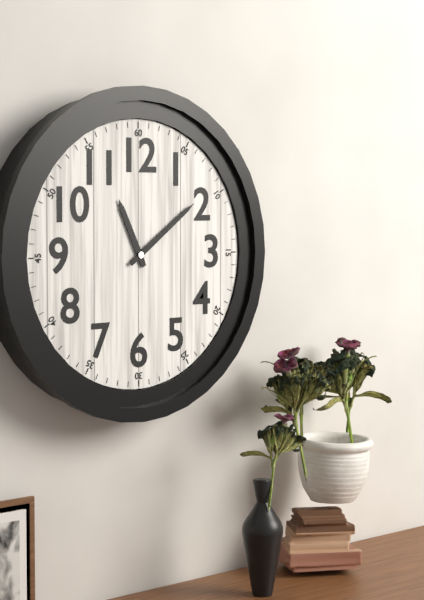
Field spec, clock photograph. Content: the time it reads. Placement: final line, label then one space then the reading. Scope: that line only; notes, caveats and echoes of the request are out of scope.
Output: 11:09
